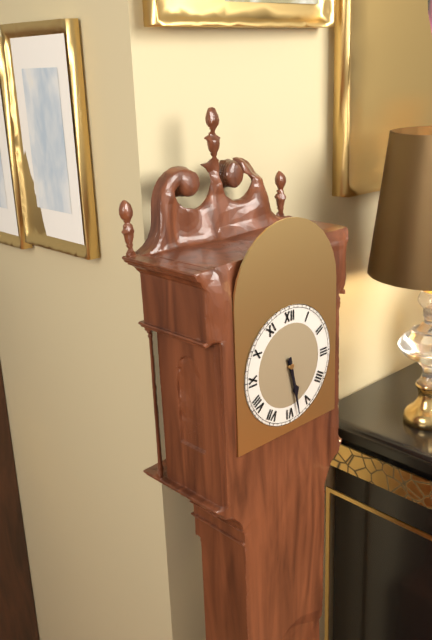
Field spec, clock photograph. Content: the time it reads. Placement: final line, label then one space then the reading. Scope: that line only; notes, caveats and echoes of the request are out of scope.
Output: 5:28
